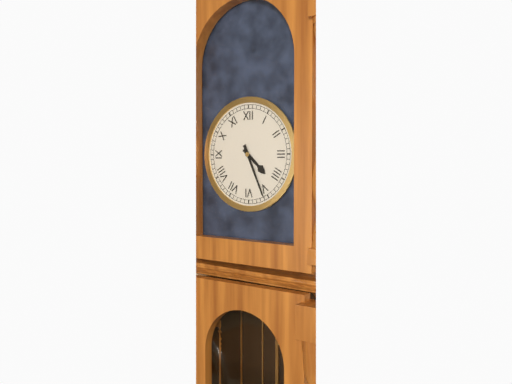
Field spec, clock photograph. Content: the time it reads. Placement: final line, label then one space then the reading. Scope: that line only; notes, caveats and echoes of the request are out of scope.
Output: 4:26
